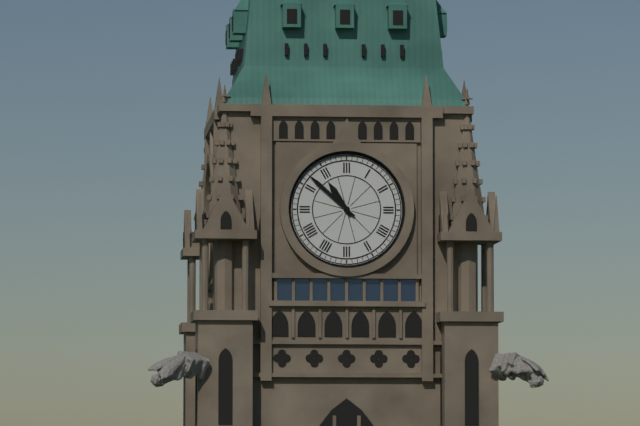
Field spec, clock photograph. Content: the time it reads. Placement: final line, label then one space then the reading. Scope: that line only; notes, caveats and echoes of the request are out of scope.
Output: 10:52
